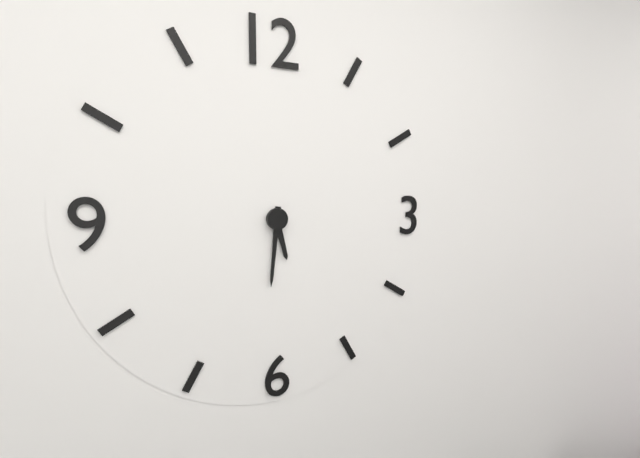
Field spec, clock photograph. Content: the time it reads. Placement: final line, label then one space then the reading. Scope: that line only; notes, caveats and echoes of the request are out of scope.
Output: 5:31
